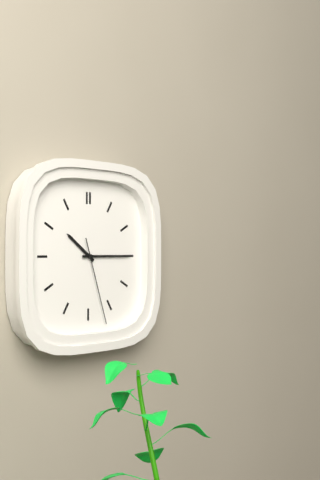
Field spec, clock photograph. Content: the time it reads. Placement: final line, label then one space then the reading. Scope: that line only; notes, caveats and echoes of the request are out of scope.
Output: 10:15:27
